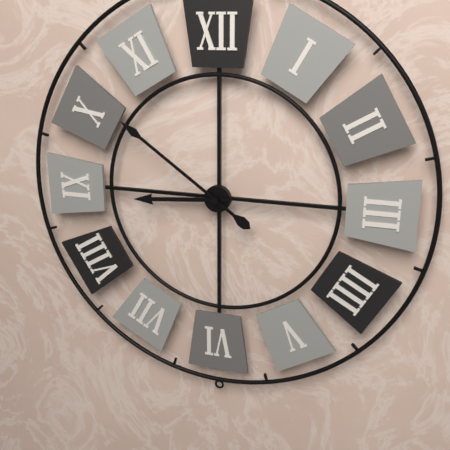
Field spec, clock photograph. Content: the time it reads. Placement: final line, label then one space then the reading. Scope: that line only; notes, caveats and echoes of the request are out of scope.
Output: 8:51
